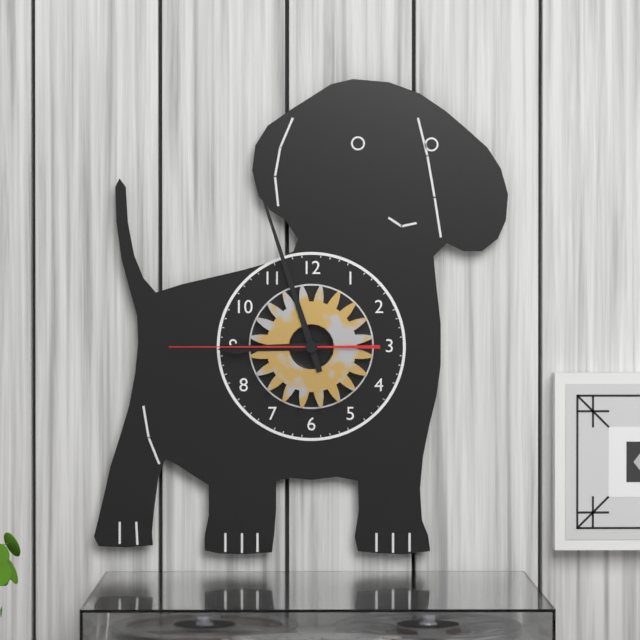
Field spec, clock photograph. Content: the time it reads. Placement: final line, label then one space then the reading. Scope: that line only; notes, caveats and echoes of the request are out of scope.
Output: 8:57:45
